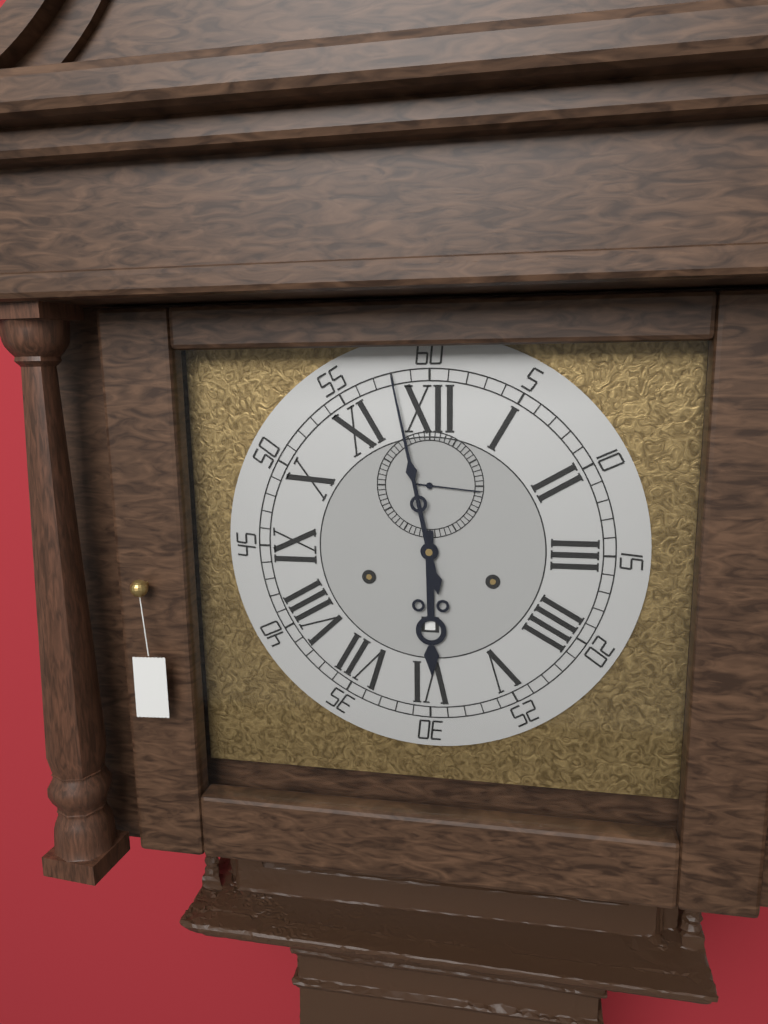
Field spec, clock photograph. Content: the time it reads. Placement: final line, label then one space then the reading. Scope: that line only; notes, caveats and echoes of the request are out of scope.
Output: 5:58:16
